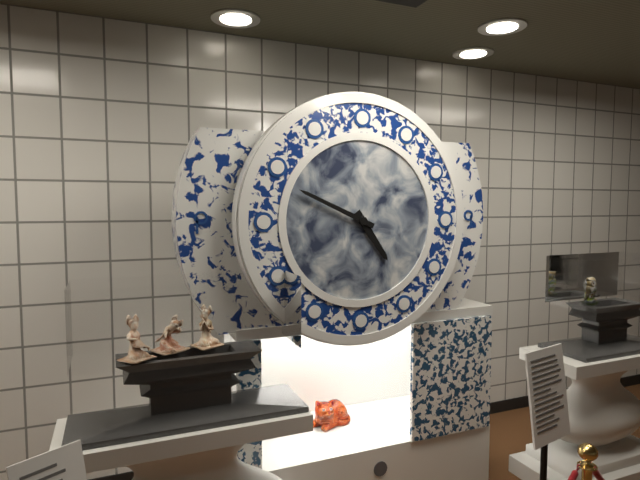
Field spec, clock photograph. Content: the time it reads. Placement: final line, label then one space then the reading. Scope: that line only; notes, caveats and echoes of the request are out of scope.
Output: 4:49
